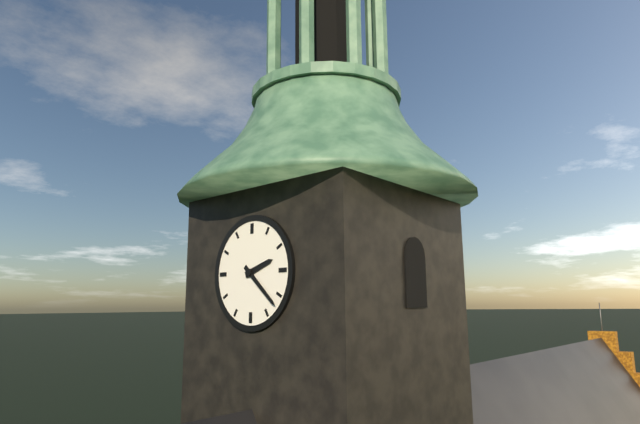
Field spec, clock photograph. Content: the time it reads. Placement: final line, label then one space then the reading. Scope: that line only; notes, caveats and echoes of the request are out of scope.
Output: 2:22
